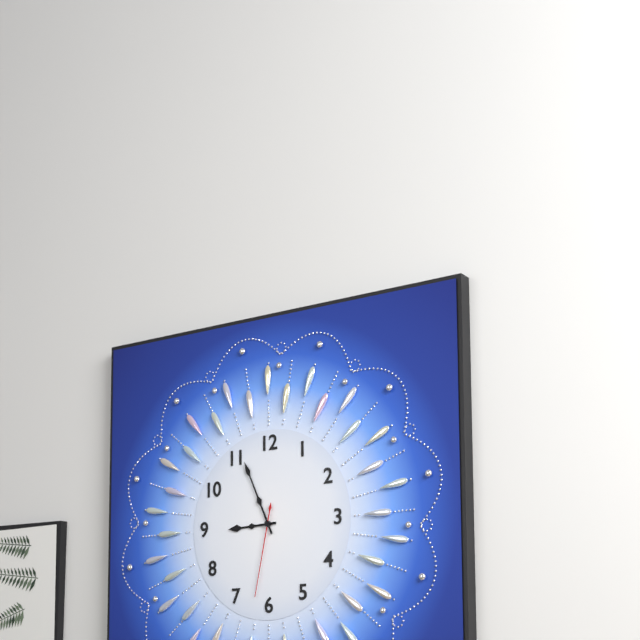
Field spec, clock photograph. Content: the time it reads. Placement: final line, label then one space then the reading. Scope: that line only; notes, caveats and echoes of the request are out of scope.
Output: 8:56:32
